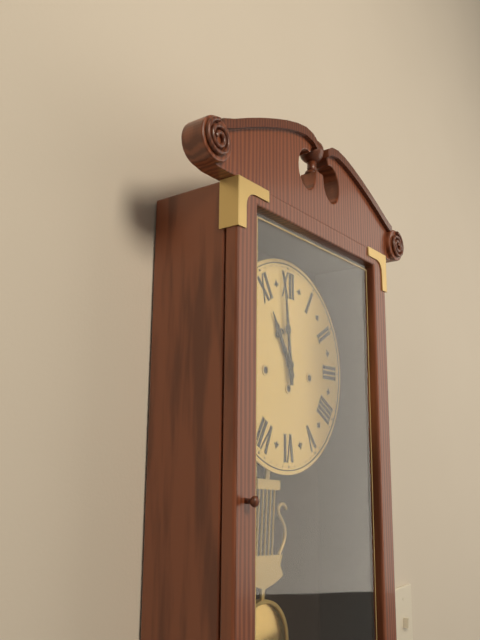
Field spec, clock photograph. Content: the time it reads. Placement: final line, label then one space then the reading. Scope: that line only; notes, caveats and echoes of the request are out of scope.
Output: 10:59
